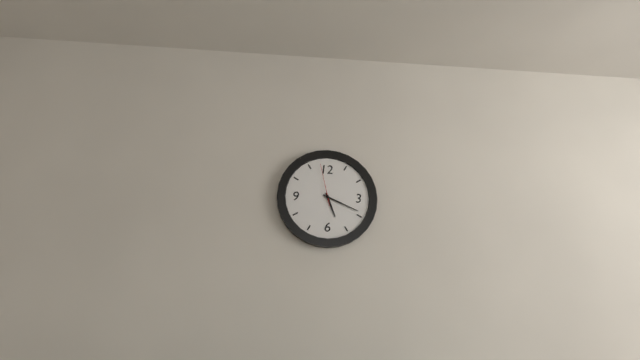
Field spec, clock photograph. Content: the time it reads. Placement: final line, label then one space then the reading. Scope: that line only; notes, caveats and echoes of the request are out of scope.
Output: 5:19
